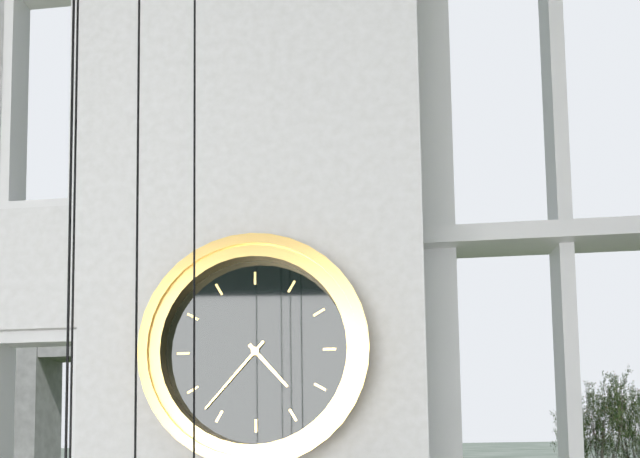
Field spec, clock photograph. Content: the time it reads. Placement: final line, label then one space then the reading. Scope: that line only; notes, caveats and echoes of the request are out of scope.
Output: 4:37
